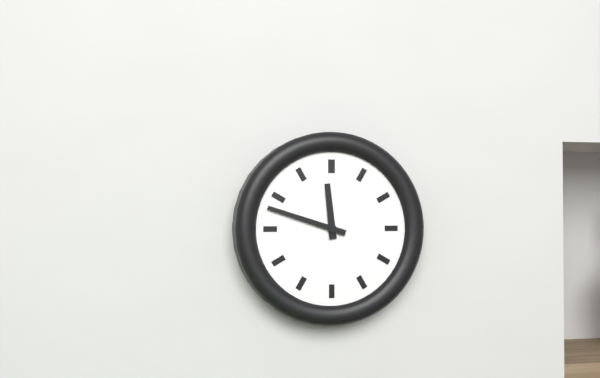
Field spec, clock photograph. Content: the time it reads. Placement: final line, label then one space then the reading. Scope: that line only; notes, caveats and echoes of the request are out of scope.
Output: 11:48
